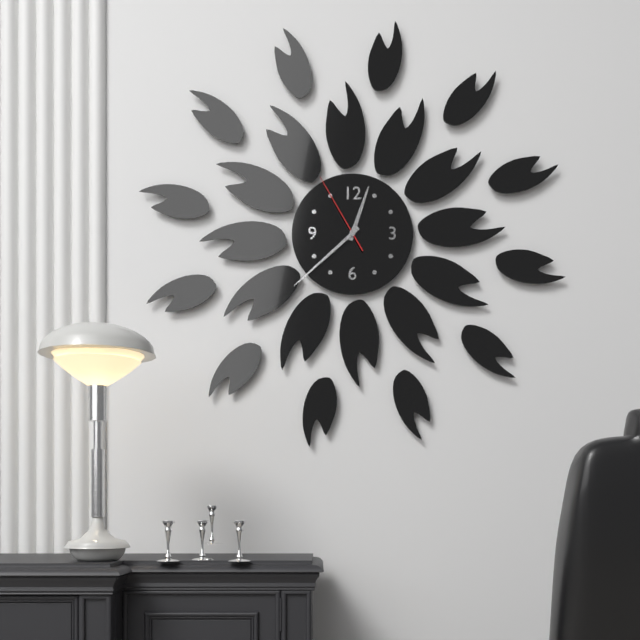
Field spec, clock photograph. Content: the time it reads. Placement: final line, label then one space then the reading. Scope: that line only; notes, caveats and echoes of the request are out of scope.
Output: 12:38:55
